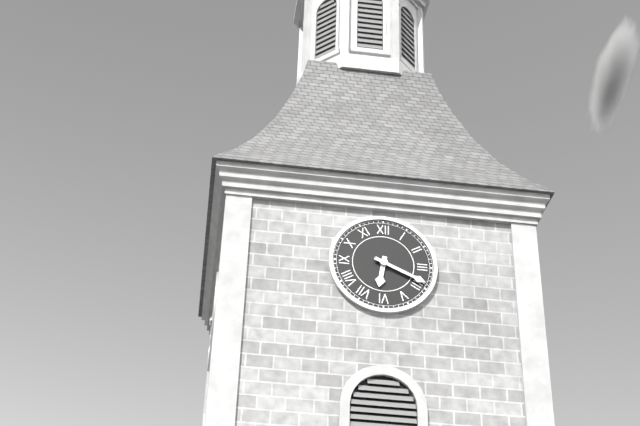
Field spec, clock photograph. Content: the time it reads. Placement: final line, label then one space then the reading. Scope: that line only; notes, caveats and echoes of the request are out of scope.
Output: 6:19
